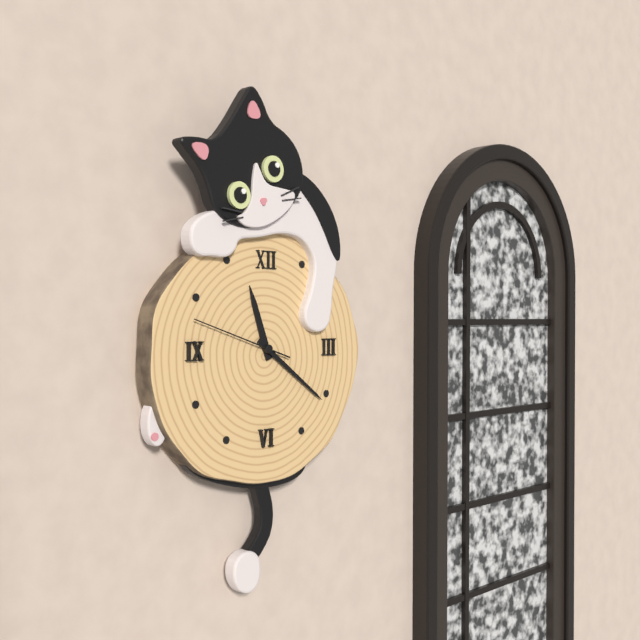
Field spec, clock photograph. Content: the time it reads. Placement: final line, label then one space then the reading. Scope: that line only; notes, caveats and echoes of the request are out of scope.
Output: 11:21:48
